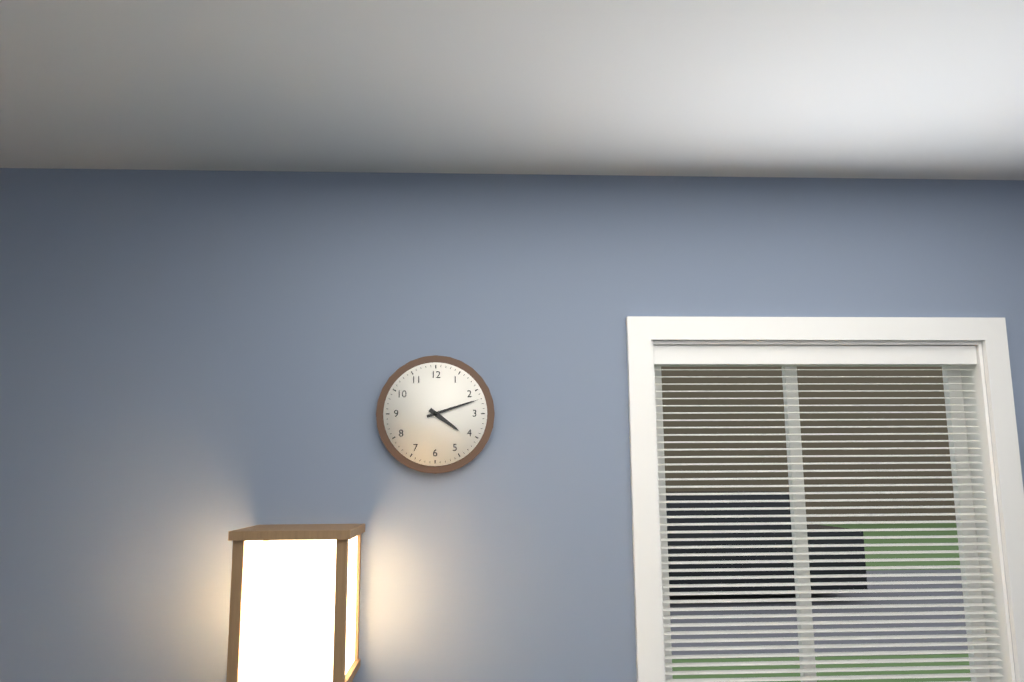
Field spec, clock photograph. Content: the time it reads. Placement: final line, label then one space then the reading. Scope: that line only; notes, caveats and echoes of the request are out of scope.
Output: 4:12
